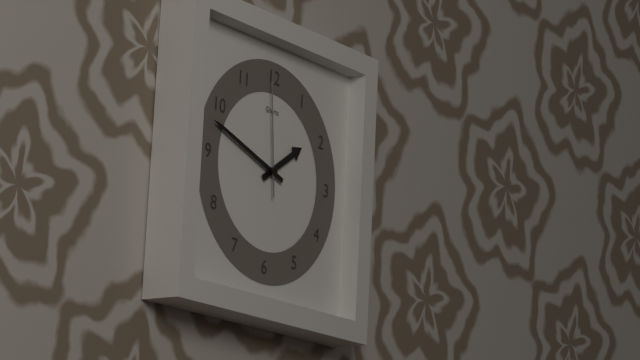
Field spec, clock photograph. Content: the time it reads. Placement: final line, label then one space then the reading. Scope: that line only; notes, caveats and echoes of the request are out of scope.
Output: 1:48:59
